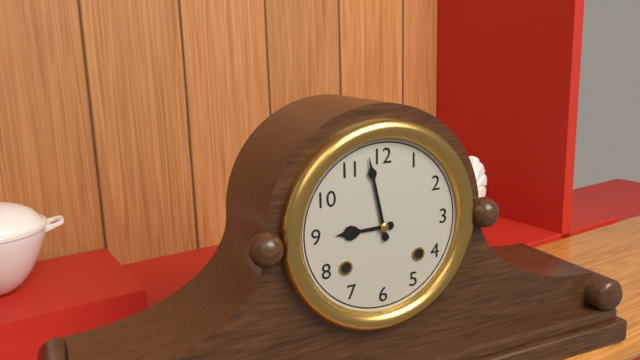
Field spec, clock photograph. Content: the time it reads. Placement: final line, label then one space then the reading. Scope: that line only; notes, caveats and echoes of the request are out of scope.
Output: 8:58
